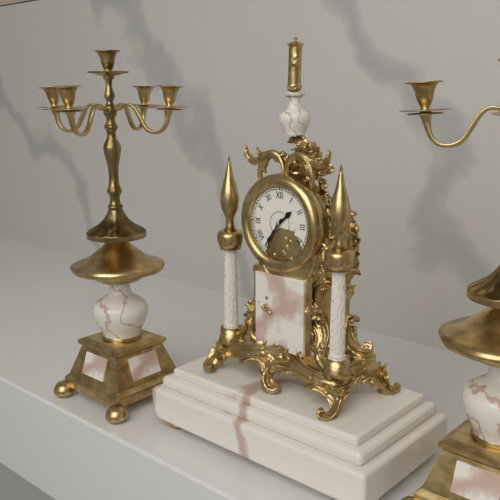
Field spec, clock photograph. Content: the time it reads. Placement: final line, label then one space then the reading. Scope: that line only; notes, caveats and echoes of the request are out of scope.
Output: 1:36
